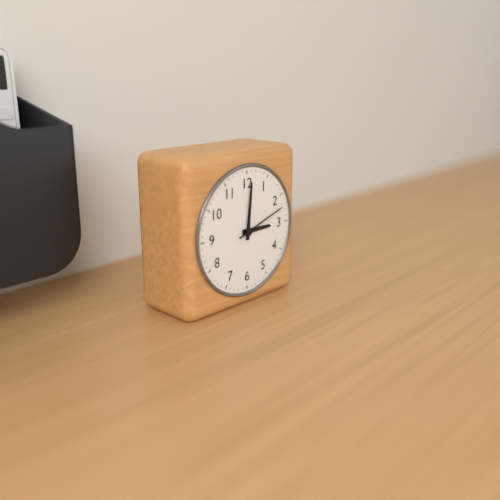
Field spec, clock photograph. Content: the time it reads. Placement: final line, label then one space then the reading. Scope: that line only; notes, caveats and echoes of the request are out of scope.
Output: 3:01:12
